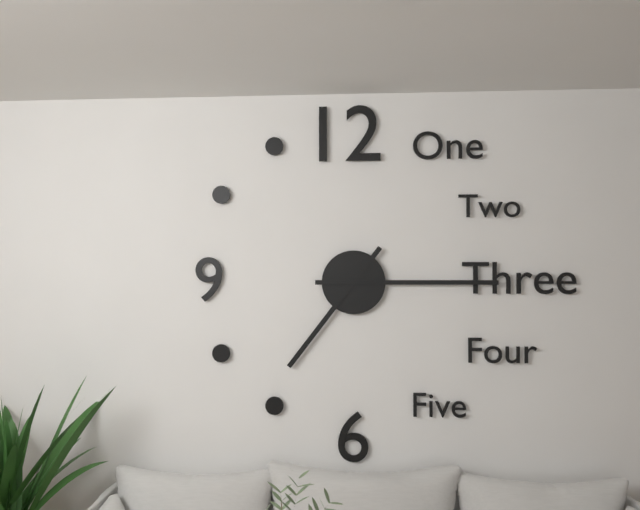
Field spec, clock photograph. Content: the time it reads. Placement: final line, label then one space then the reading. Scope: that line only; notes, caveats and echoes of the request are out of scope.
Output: 7:15
